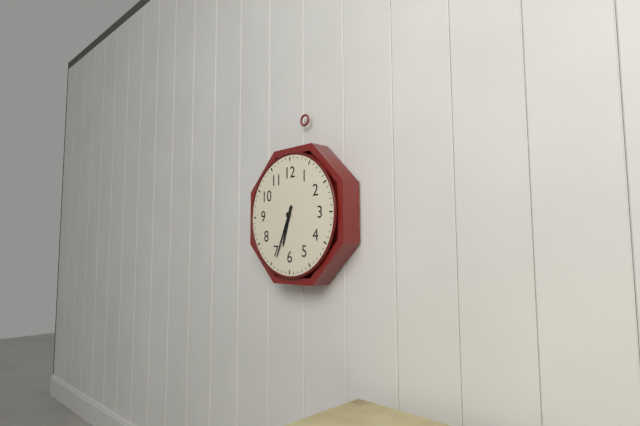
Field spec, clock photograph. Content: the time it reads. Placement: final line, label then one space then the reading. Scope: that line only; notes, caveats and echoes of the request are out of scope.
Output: 6:34
